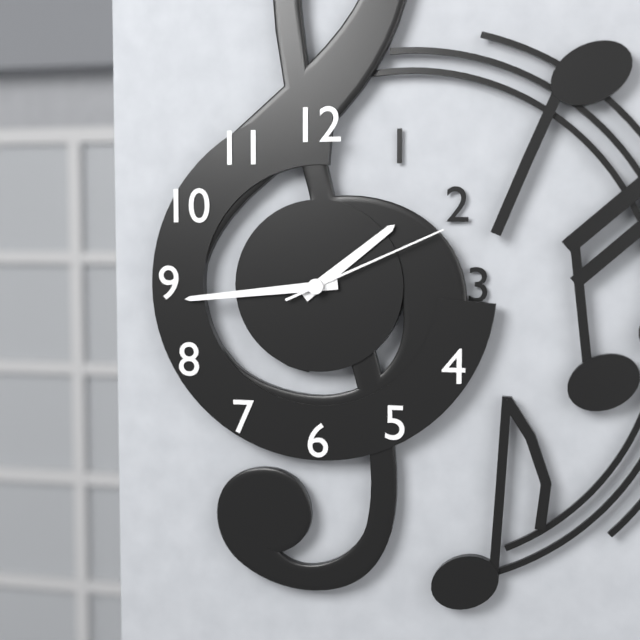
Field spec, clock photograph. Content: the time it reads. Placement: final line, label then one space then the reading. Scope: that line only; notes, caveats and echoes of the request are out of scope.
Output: 1:44:11
